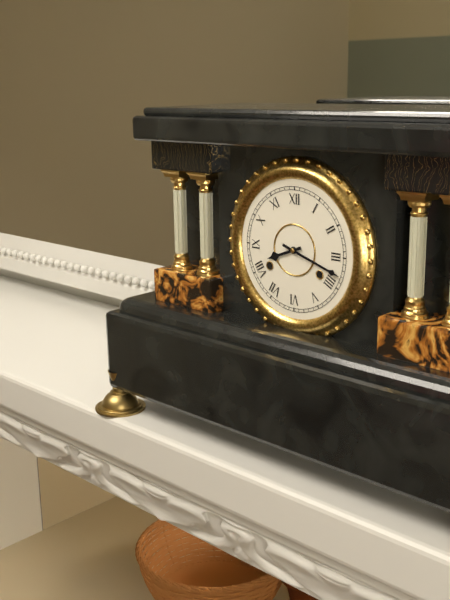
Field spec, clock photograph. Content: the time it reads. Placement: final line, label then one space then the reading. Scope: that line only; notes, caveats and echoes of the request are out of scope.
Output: 8:18
